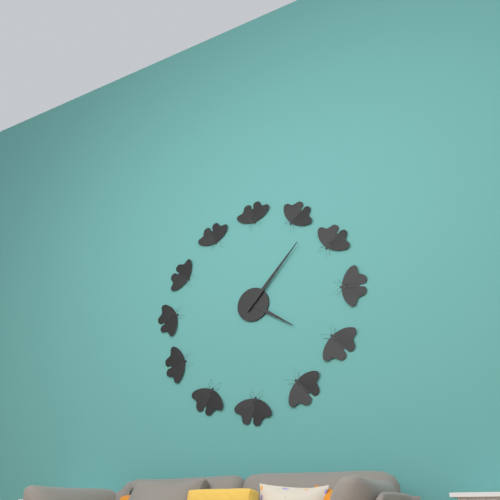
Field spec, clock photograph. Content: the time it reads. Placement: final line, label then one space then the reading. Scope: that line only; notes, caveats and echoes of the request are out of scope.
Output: 4:07
